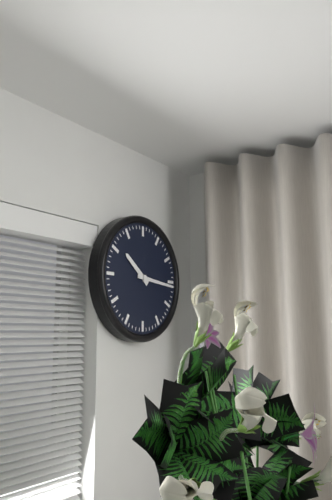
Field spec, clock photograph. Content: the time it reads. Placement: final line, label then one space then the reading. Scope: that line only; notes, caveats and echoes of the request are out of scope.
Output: 10:16
